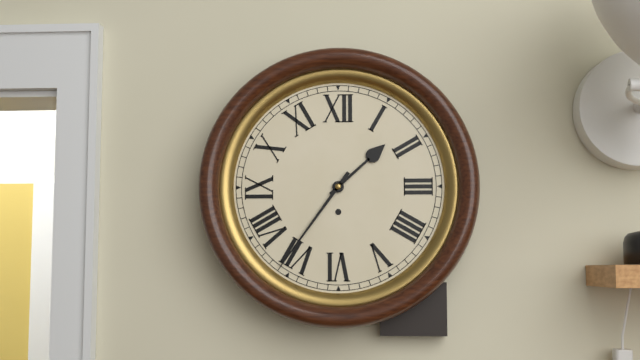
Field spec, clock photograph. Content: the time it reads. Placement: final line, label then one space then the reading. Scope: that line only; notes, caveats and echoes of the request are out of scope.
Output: 1:36
